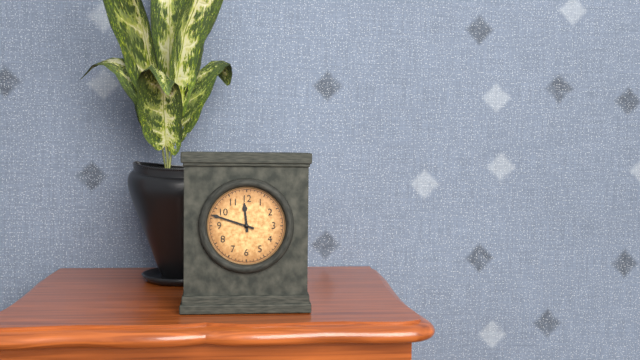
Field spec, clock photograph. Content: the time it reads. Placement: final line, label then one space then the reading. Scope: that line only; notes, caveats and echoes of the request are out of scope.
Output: 11:48
